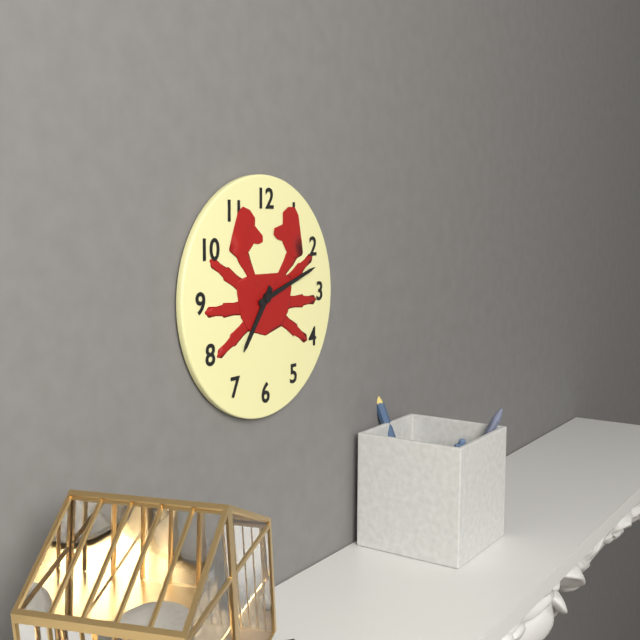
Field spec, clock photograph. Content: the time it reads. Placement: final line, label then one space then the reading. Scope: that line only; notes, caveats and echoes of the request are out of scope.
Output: 7:12
